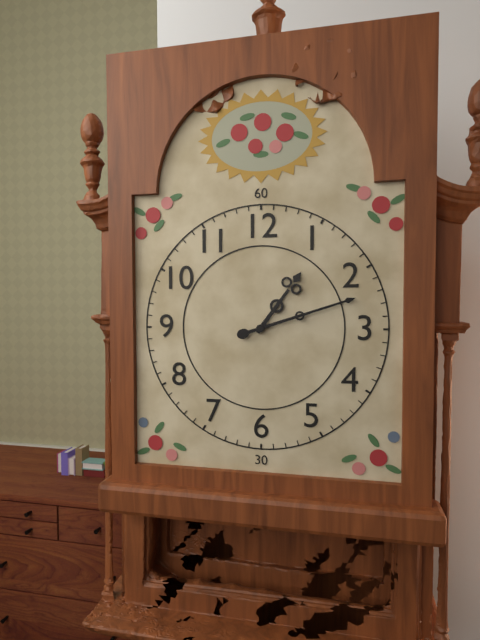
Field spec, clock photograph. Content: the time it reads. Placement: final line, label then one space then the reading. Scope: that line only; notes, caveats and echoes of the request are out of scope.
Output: 1:12
